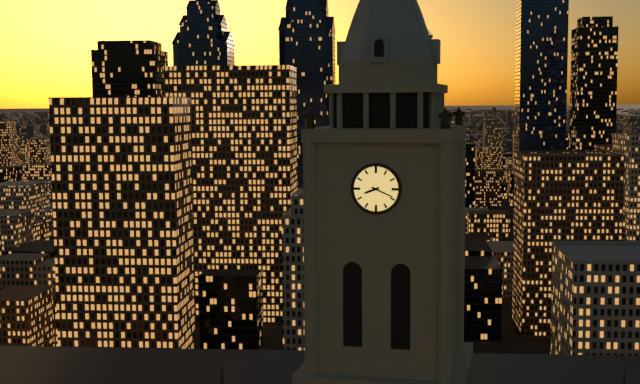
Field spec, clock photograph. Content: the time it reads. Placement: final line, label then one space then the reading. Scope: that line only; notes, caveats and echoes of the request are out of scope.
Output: 8:19
